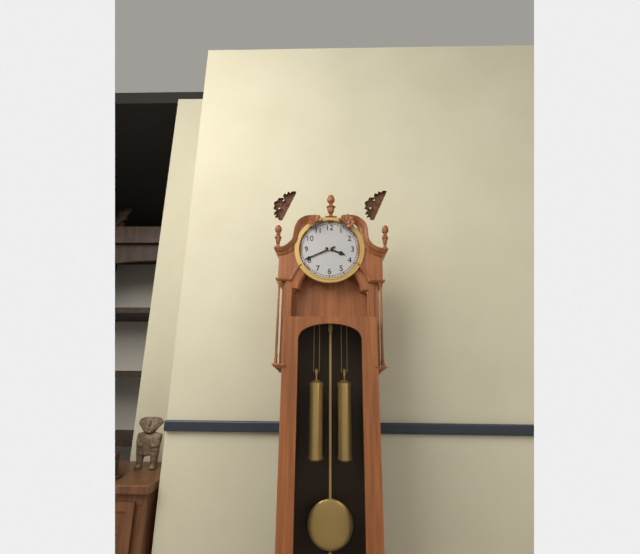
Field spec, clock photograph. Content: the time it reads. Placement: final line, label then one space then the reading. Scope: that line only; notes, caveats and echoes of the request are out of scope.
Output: 3:41
